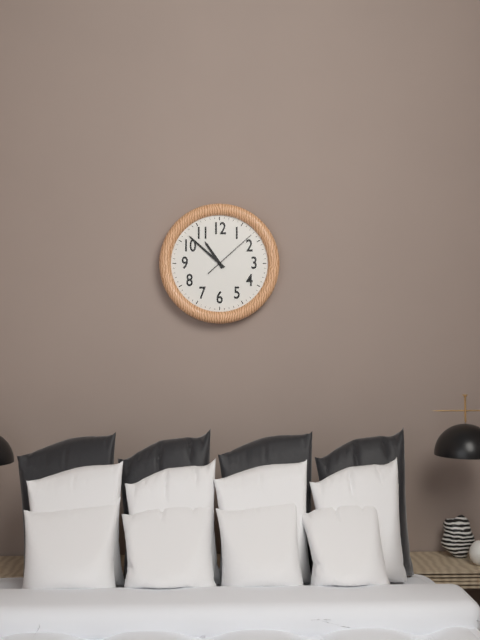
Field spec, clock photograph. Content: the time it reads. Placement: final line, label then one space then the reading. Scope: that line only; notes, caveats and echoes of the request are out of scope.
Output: 10:52:08
